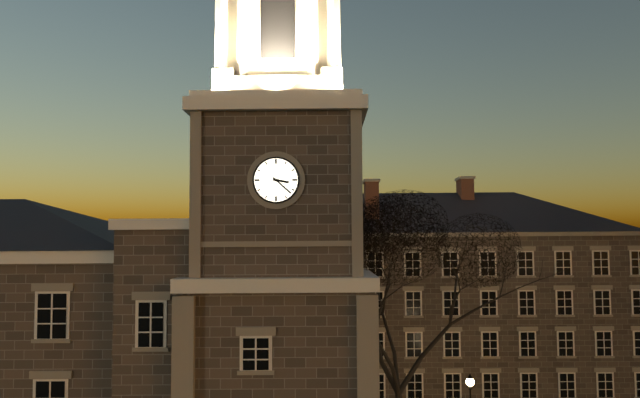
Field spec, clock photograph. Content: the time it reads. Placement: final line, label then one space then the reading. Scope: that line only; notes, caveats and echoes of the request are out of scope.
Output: 3:22
